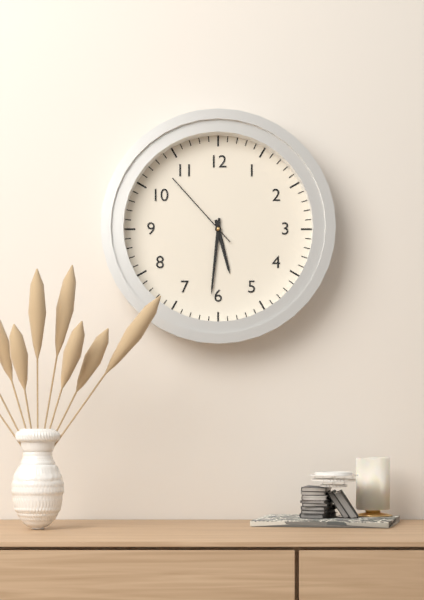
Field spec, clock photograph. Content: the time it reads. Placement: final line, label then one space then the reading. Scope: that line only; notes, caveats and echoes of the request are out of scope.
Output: 5:31:53
